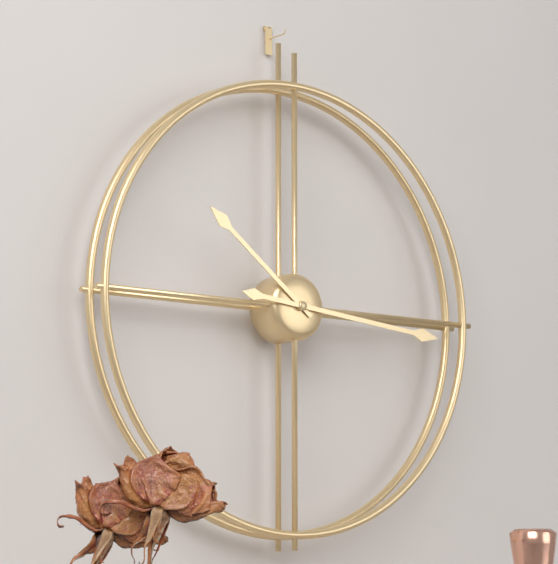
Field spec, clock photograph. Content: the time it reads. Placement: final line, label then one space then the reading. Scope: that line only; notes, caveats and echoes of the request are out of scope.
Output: 10:16
